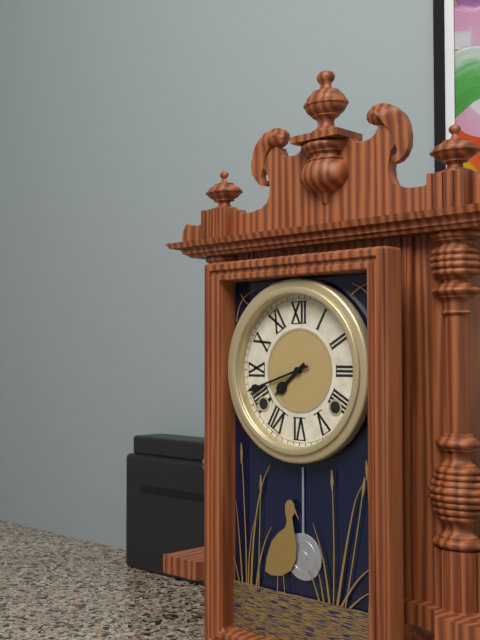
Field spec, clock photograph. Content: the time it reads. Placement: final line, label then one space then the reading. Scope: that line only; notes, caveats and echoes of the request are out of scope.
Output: 7:42
